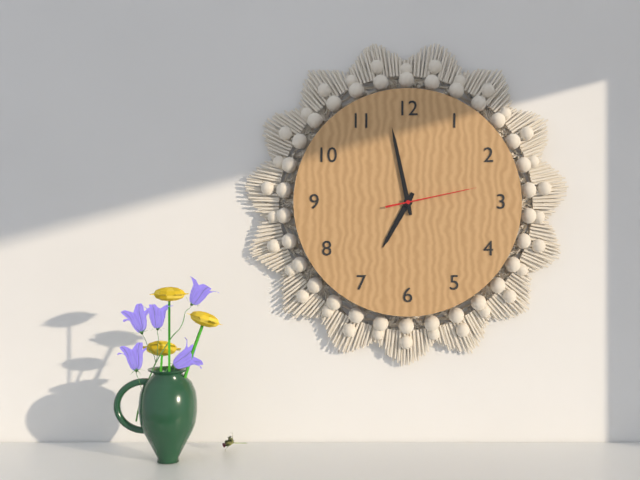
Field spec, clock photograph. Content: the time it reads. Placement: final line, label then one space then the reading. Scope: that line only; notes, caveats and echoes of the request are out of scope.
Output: 6:58:13
